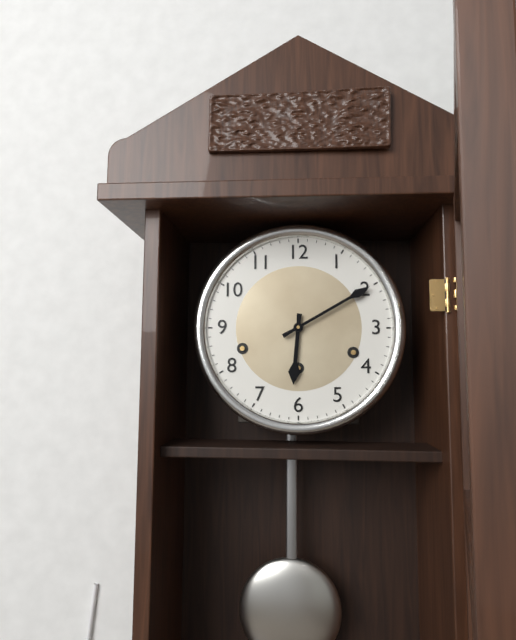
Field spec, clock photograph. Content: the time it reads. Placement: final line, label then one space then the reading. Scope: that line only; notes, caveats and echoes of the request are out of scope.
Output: 6:10
